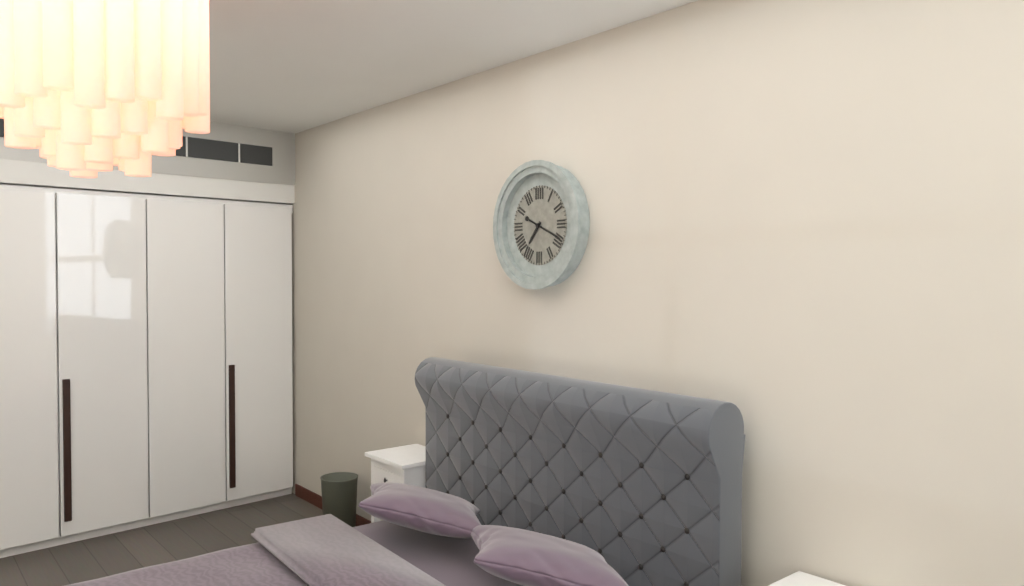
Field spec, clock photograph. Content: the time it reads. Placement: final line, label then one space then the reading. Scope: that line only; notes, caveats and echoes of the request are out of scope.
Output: 7:19
